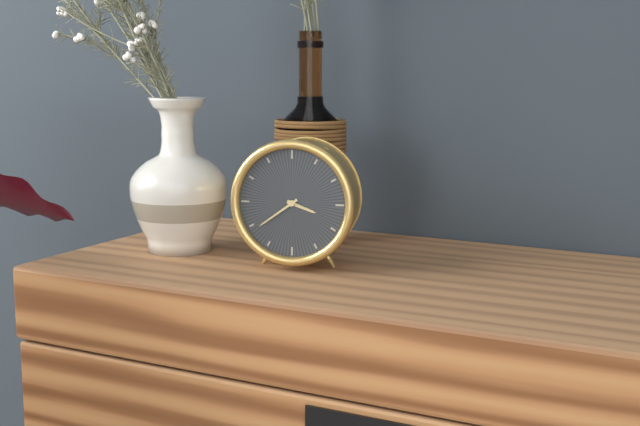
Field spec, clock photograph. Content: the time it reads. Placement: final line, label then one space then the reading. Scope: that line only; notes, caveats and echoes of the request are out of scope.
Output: 3:39
